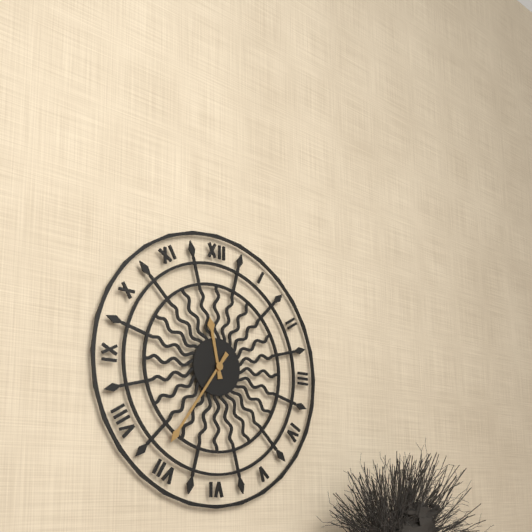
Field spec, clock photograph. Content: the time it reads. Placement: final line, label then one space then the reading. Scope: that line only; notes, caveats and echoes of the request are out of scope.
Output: 11:36
